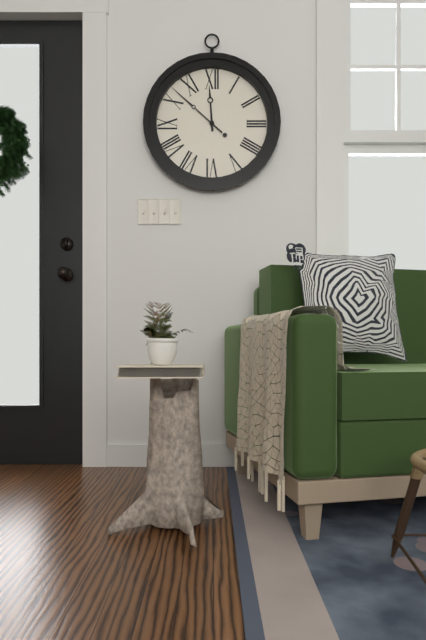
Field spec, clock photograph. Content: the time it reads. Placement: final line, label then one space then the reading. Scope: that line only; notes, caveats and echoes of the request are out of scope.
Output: 11:52
